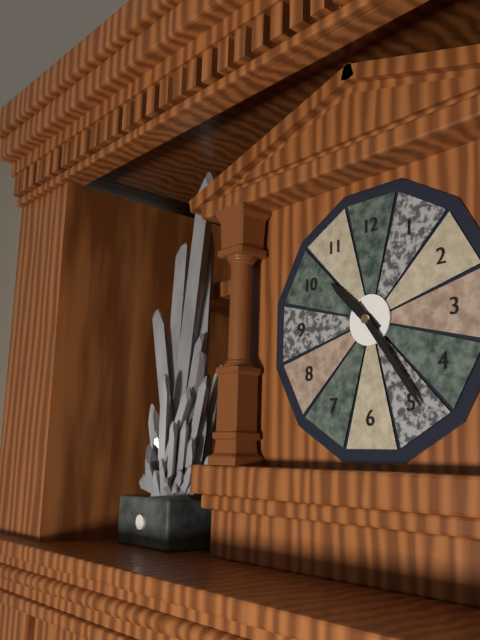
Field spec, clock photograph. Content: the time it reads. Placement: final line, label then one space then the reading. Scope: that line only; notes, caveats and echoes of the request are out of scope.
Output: 10:24
